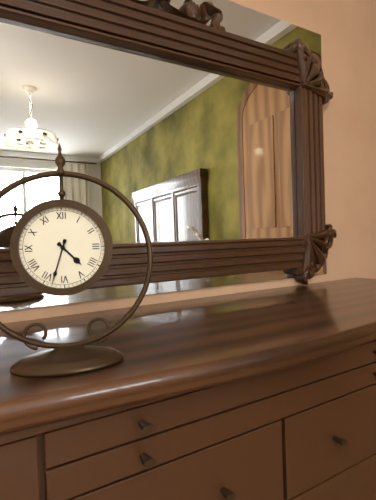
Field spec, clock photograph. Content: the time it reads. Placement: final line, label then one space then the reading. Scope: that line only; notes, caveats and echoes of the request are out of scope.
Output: 4:33
